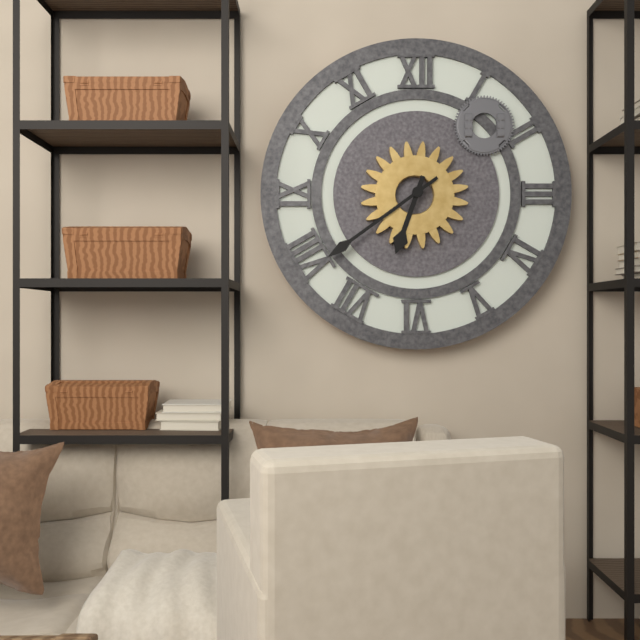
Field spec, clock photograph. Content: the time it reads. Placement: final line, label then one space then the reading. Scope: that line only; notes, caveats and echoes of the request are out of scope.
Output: 6:39
